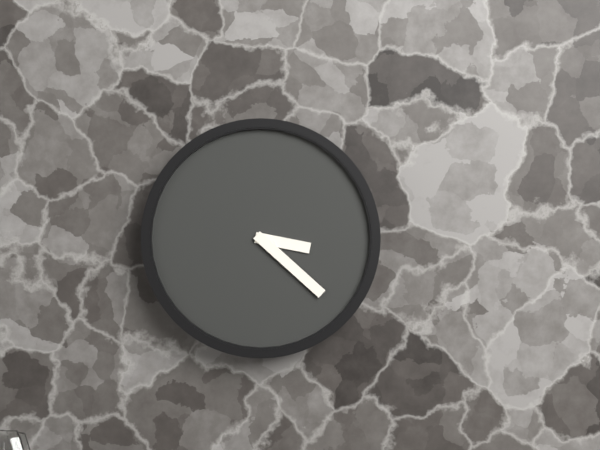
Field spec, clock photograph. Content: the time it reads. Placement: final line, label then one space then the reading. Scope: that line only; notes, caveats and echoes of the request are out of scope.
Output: 3:22
